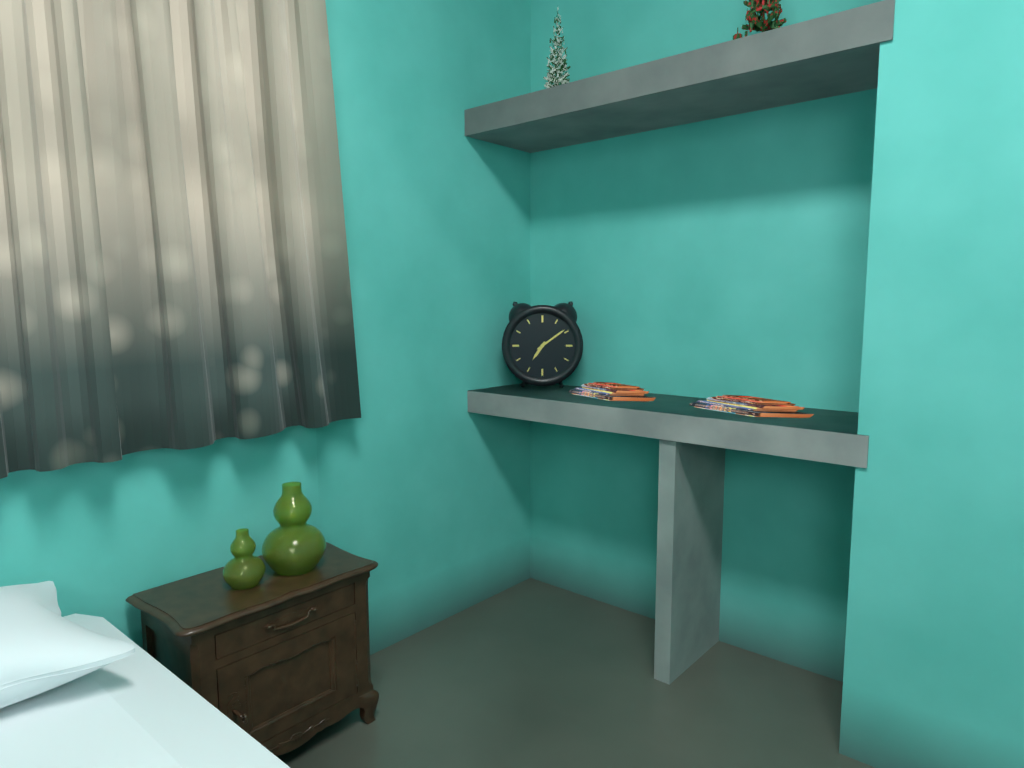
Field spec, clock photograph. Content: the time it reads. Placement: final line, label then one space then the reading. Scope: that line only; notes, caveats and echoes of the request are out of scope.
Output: 7:09
